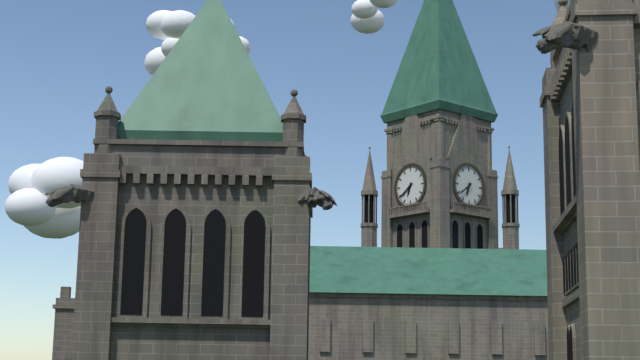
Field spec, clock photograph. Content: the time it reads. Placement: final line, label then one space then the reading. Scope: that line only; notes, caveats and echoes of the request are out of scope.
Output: 6:39
